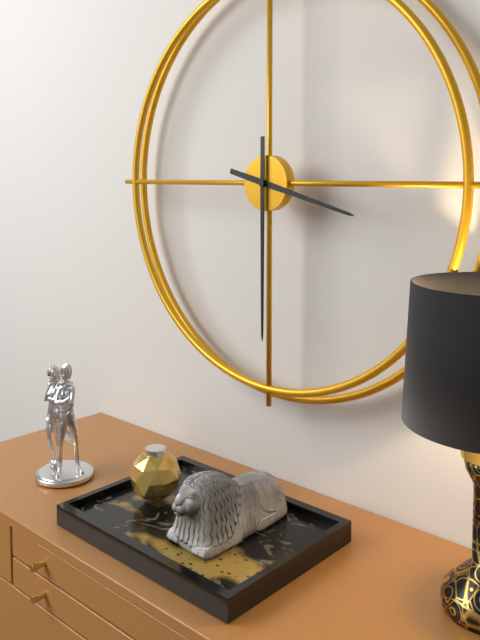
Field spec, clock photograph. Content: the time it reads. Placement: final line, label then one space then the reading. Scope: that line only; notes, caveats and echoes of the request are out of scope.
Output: 3:30
